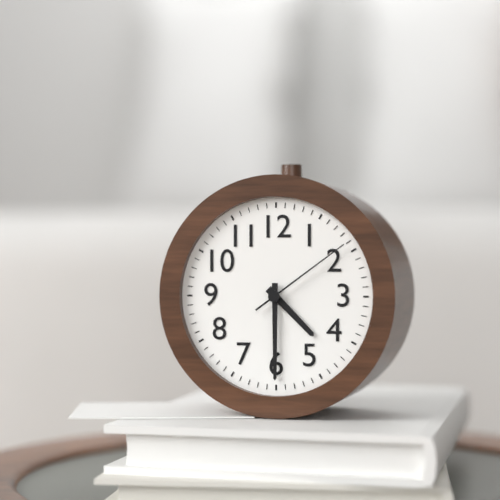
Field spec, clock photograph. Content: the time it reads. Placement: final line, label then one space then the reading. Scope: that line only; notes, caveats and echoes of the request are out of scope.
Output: 4:30:09
